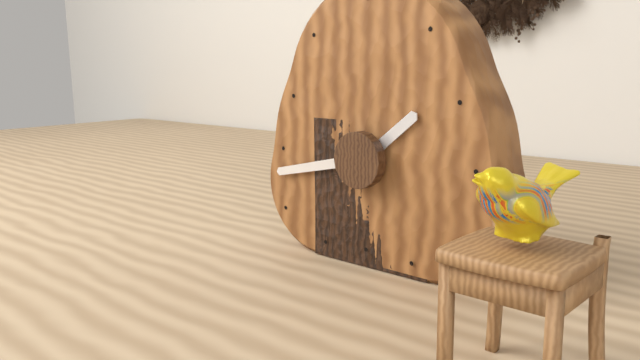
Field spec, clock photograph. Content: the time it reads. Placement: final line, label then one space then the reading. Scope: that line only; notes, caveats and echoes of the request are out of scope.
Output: 1:43
